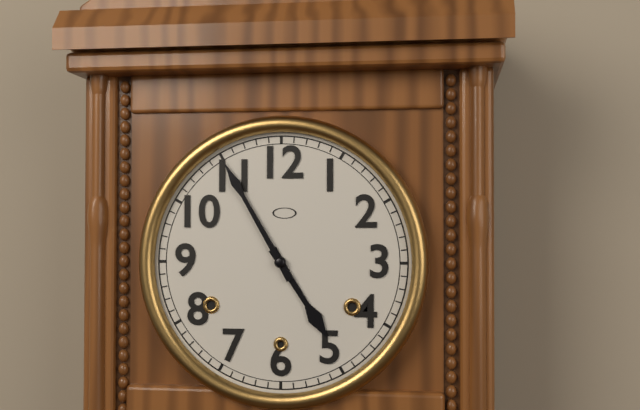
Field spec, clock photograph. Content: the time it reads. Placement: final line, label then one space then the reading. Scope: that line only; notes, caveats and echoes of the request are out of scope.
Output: 4:55
